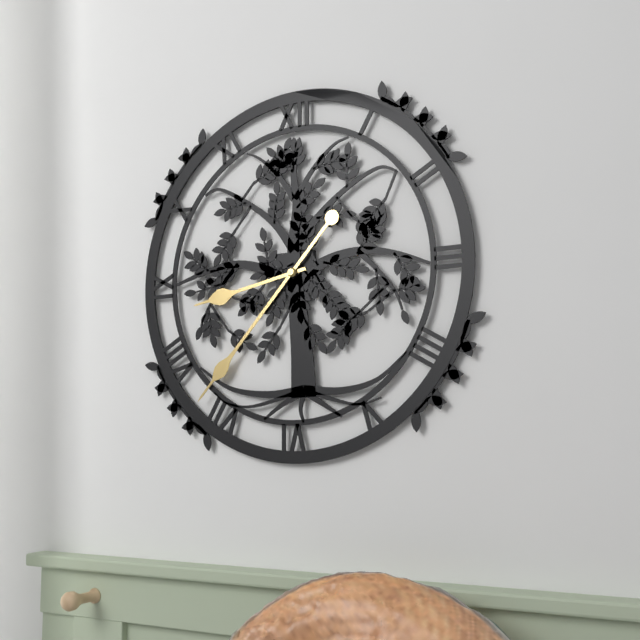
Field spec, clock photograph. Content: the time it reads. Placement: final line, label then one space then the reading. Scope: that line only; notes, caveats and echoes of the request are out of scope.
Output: 8:37
